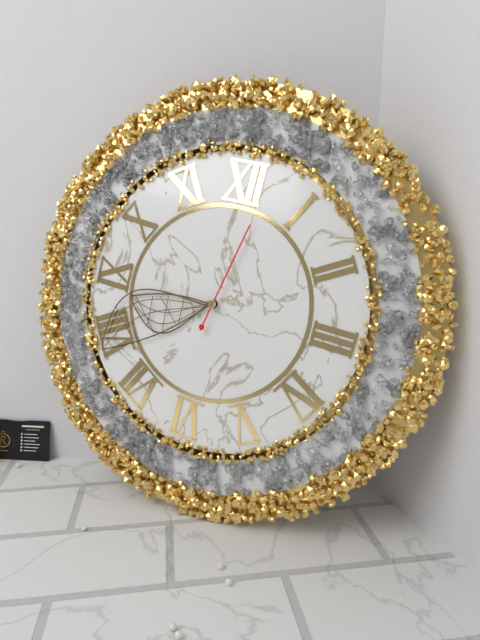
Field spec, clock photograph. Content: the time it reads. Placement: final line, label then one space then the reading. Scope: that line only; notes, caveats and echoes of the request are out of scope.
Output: 8:39:02
